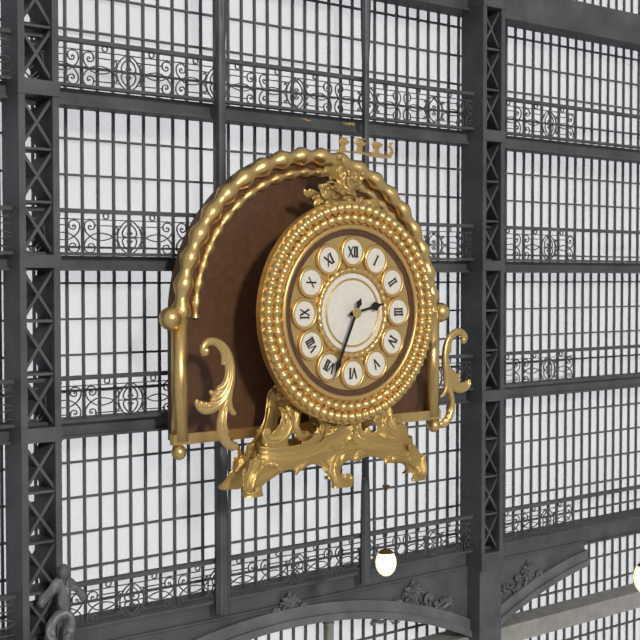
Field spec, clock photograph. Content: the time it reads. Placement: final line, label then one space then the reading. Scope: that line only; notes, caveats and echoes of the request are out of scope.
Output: 2:34
